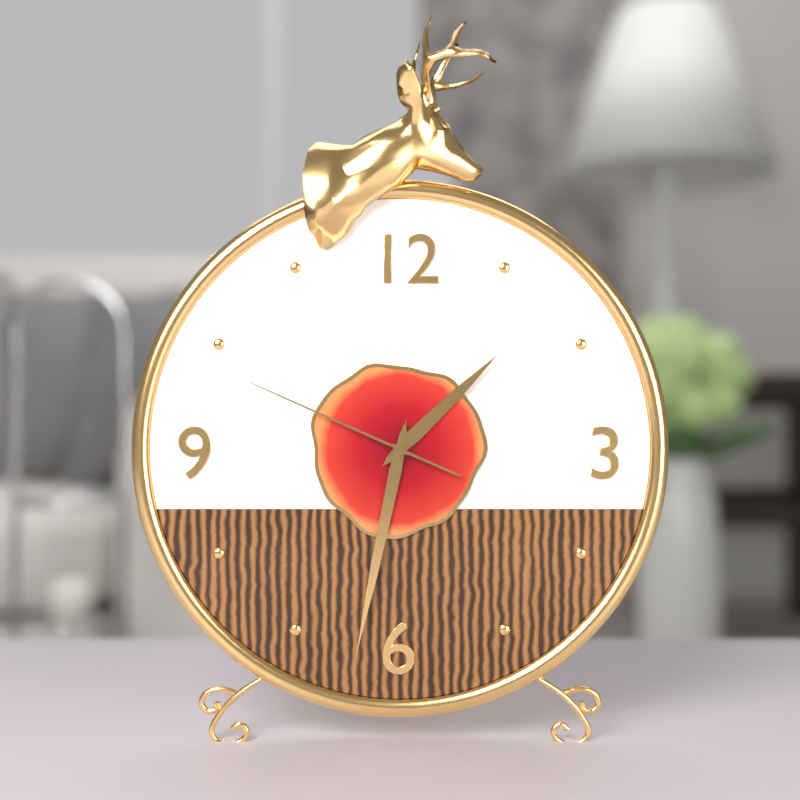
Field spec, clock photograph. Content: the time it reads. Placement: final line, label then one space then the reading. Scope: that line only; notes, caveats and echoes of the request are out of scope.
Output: 1:32:49
